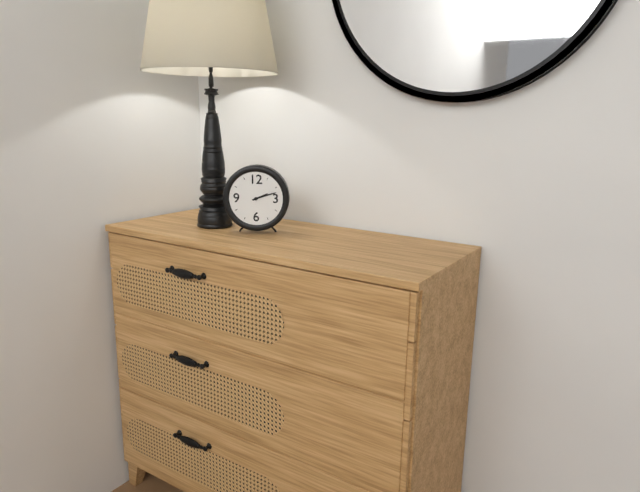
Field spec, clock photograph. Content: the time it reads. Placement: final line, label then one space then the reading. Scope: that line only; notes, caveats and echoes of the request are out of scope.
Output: 2:12
